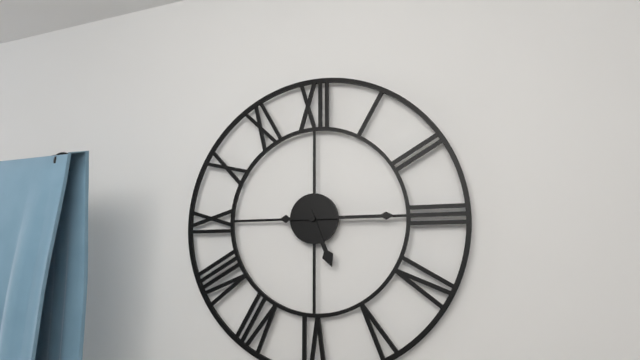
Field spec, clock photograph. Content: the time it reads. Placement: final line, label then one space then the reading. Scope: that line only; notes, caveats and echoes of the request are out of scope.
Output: 5:15
